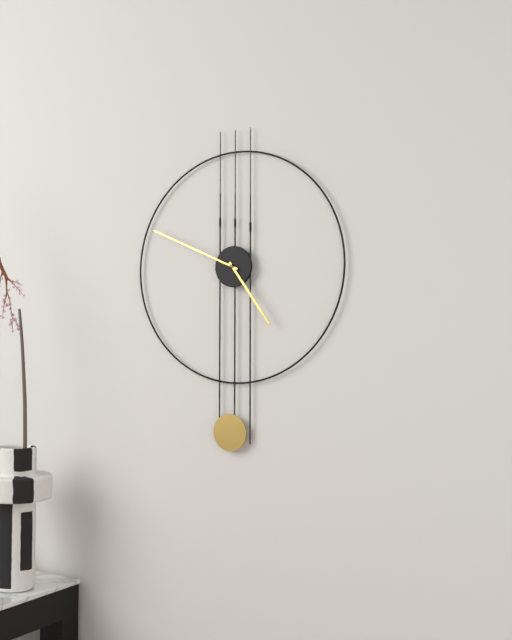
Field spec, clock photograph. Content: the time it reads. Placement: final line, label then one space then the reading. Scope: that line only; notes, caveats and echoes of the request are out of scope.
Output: 4:49
